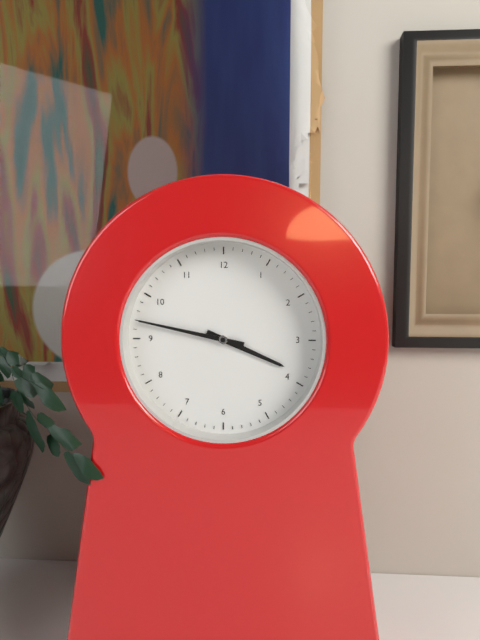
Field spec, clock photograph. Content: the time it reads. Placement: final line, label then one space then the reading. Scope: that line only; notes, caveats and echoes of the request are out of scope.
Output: 3:47
